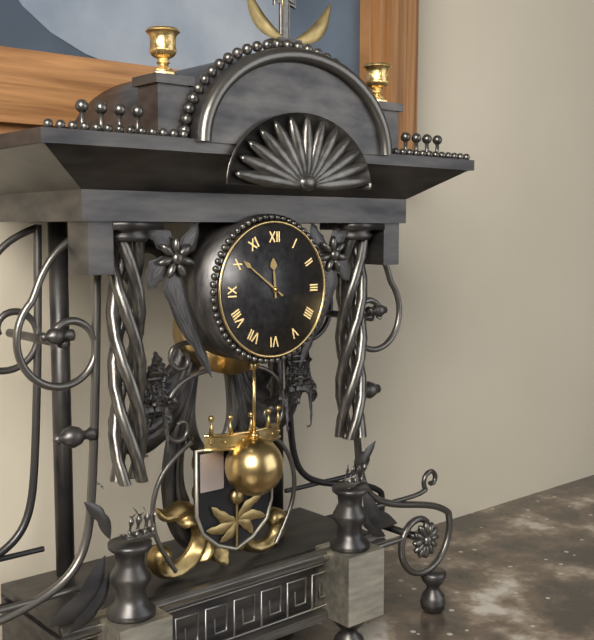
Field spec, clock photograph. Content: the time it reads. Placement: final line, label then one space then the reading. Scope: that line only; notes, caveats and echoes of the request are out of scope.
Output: 11:51
